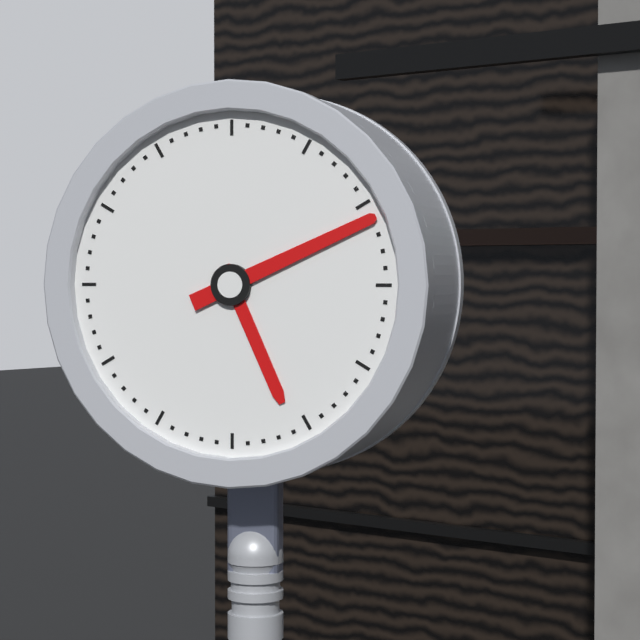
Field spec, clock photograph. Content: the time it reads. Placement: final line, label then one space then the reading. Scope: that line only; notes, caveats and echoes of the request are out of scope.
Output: 5:11
